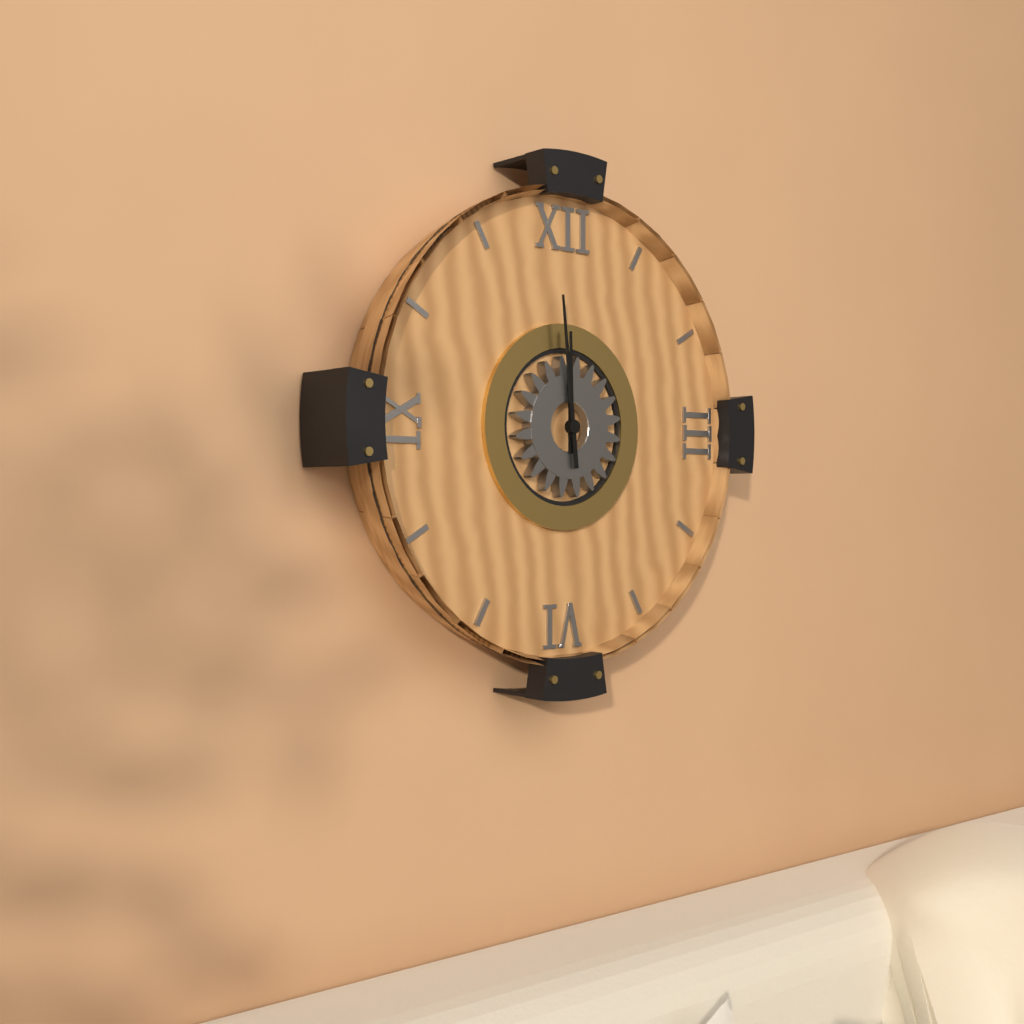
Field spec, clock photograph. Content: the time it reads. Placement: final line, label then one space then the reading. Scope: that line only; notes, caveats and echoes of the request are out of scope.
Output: 11:59
